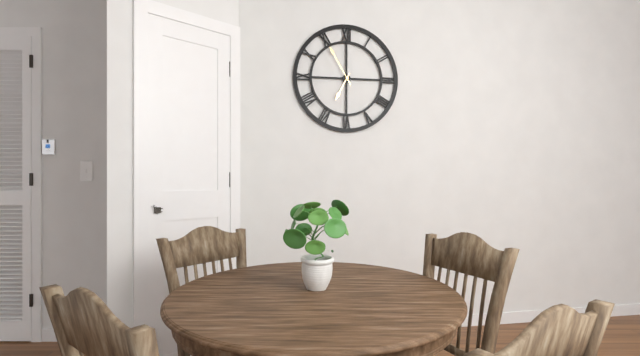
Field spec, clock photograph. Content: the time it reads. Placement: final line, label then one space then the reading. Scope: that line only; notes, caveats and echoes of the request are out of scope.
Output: 6:55
